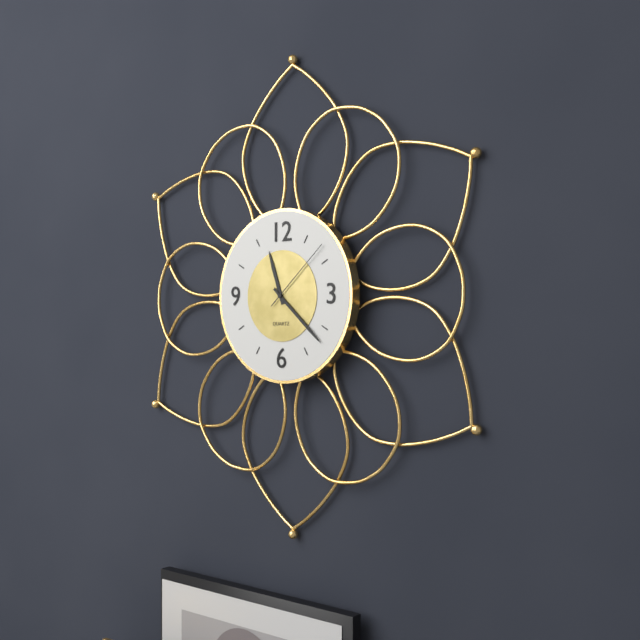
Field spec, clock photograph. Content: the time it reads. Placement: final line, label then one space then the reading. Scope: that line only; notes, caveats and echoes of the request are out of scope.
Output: 11:22:08
